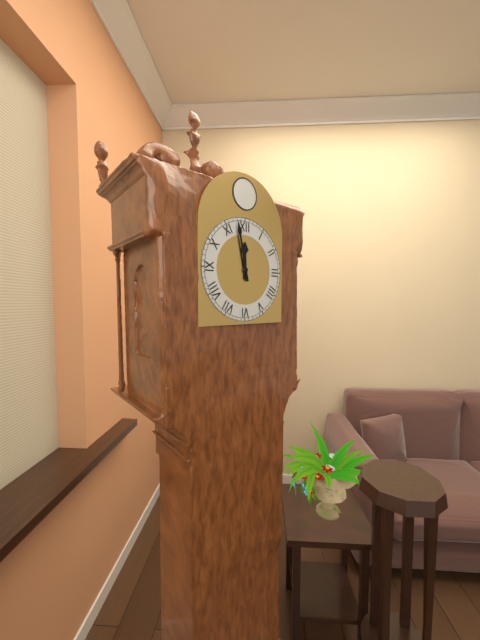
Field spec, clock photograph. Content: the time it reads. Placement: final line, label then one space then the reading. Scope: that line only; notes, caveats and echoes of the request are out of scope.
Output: 11:58
